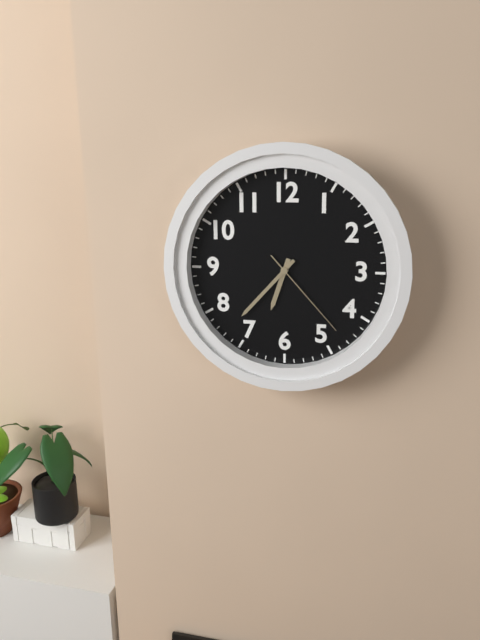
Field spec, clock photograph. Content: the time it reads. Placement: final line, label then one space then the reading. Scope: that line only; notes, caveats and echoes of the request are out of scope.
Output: 6:37:23
